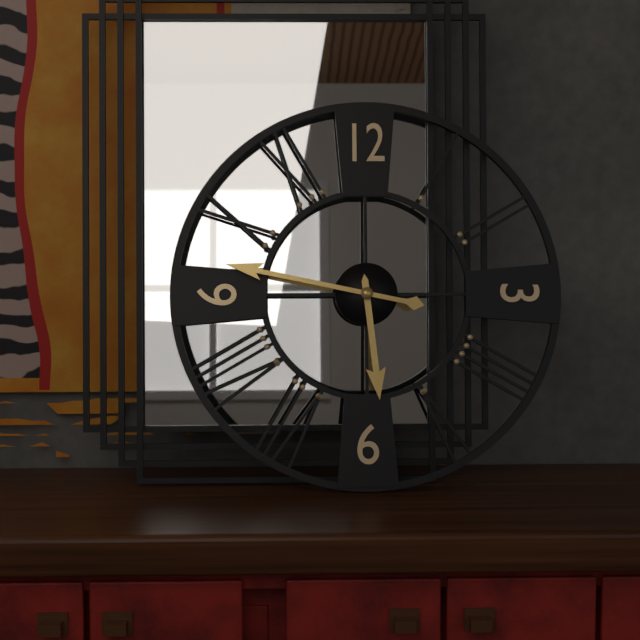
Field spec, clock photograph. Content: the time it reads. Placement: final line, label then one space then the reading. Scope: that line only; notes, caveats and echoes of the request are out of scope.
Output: 5:47
